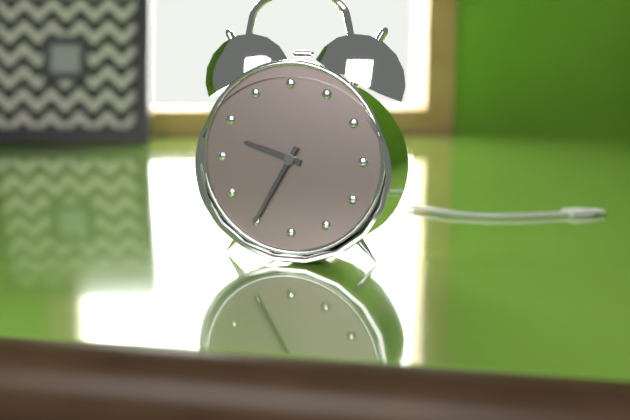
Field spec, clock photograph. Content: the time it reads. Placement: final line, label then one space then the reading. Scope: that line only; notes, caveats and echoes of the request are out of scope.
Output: 9:35
